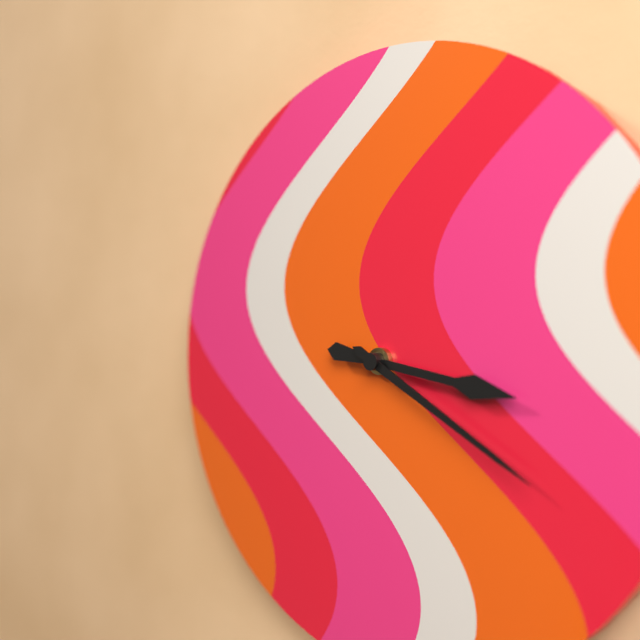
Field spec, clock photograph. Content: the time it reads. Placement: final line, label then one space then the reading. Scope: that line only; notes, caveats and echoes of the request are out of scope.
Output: 3:20
